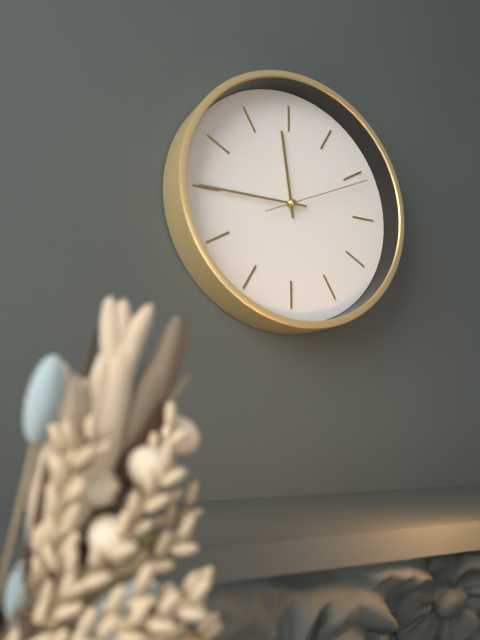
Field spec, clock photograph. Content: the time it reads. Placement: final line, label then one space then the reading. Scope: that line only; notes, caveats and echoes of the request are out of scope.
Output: 11:45:11
